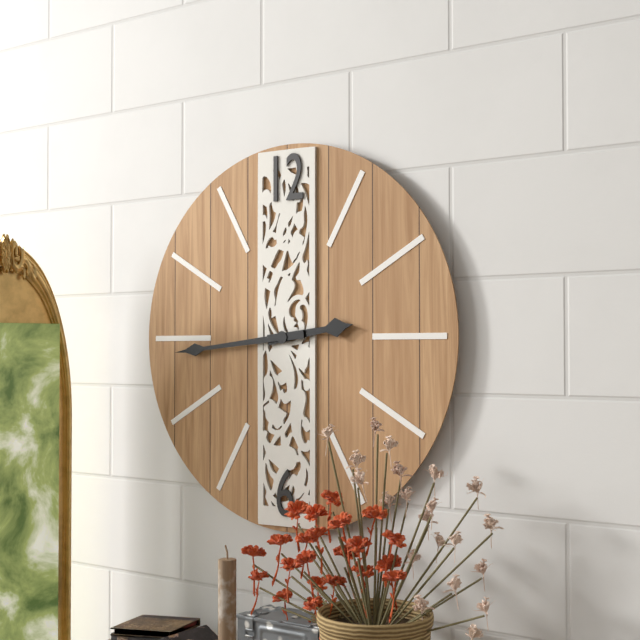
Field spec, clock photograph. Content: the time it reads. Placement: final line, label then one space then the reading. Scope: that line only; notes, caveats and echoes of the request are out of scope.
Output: 2:44
